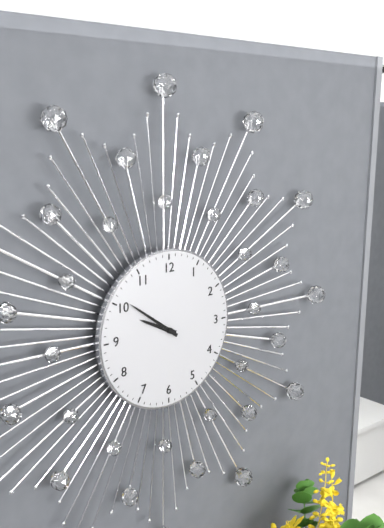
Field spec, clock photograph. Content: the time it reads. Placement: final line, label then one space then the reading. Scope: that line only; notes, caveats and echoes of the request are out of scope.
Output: 9:51
